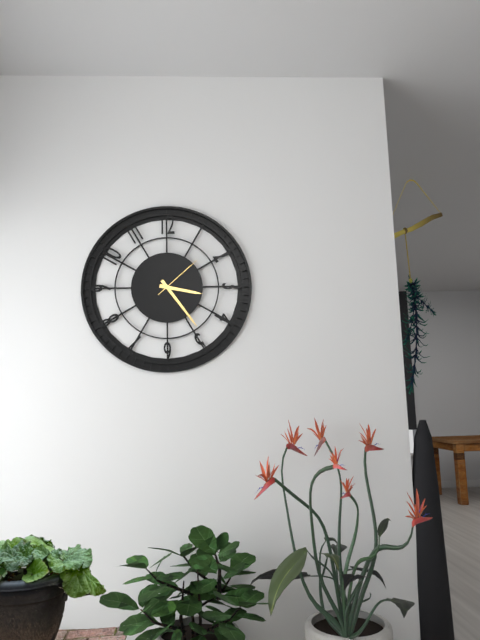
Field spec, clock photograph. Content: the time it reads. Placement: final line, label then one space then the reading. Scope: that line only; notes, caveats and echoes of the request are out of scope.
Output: 3:24:08
